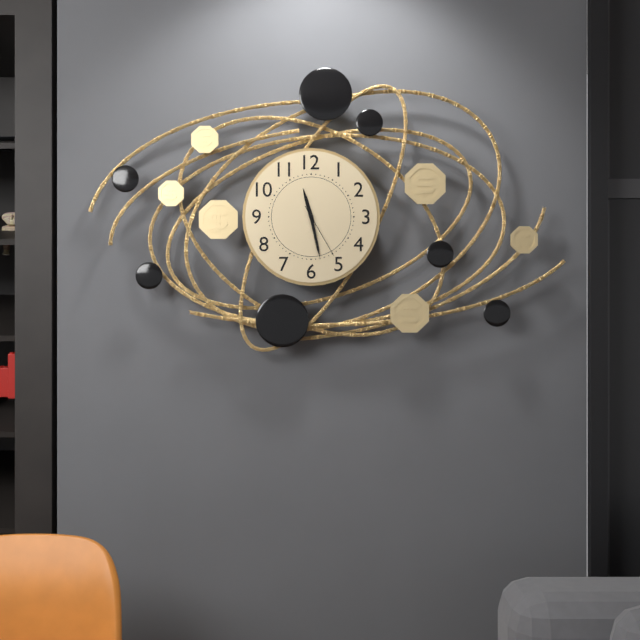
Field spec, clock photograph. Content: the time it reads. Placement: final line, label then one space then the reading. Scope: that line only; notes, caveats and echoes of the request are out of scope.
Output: 11:28:25
